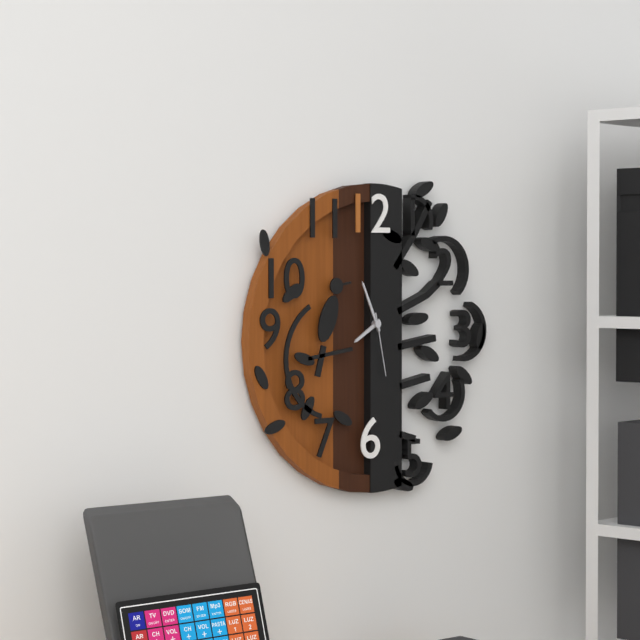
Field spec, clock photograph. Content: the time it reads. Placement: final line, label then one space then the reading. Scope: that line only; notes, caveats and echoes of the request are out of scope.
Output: 7:56:28
